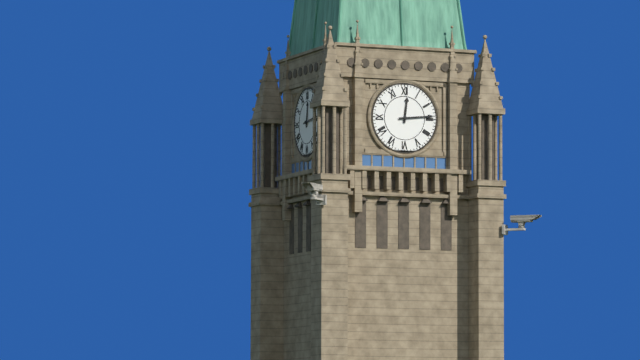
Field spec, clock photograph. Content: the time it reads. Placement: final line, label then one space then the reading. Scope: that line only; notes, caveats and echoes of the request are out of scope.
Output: 12:14
